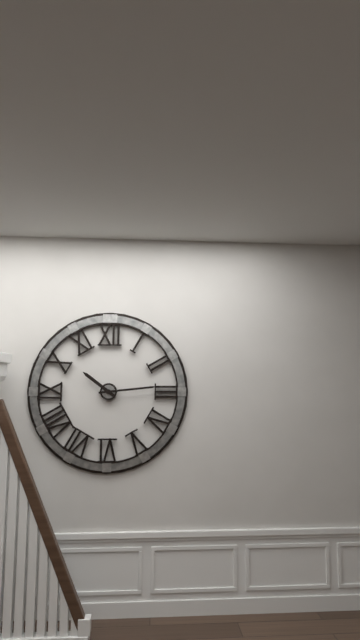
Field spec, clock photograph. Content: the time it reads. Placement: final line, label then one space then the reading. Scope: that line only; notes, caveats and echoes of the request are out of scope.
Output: 10:14
